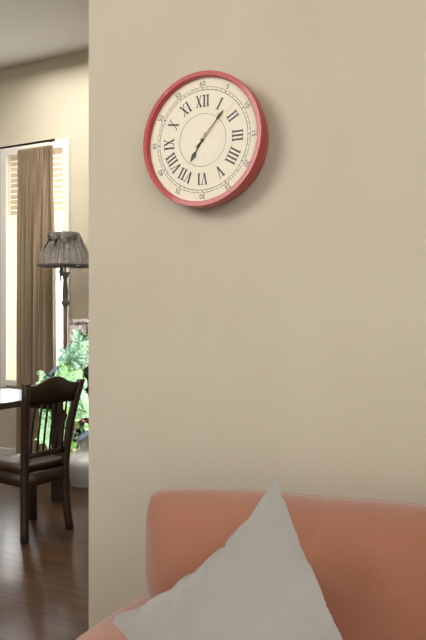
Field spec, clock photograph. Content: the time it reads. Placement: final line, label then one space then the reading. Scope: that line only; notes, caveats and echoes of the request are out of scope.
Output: 7:07:08
